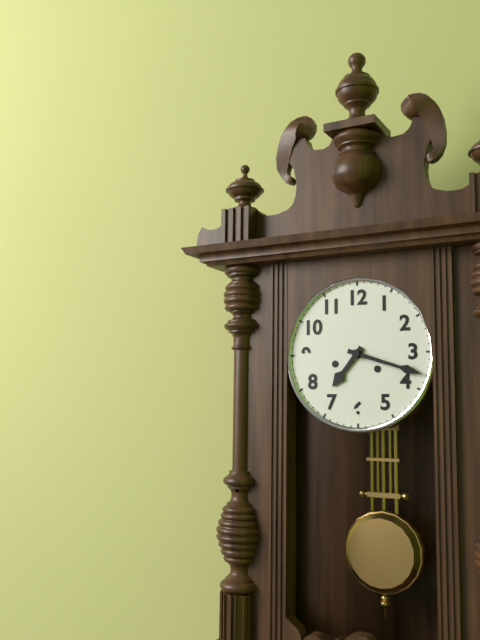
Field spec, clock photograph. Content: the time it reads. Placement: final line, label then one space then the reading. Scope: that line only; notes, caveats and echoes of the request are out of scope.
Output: 7:18
